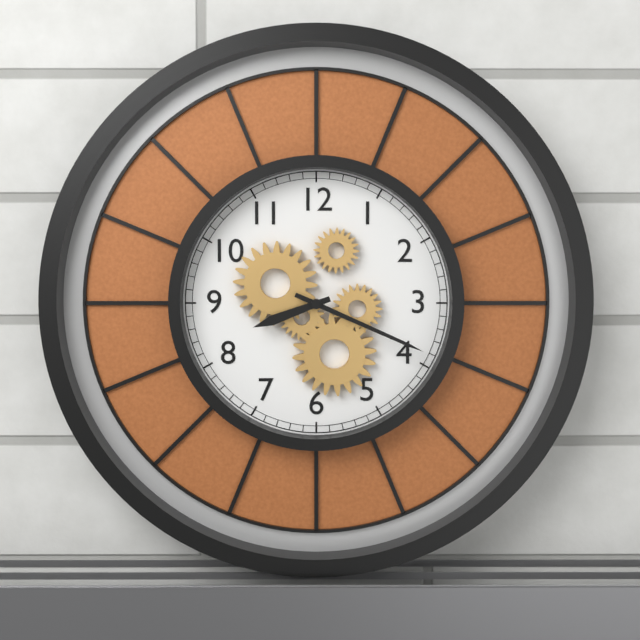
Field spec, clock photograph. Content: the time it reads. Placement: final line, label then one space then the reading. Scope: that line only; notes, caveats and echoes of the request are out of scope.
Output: 8:19
